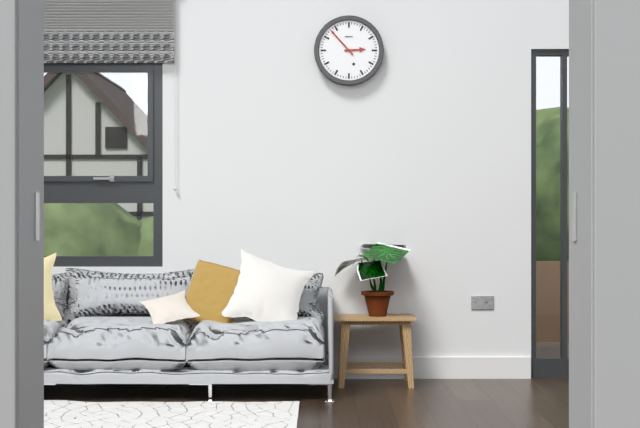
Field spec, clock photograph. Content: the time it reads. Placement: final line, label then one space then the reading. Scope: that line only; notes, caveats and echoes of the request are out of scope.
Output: 2:53
